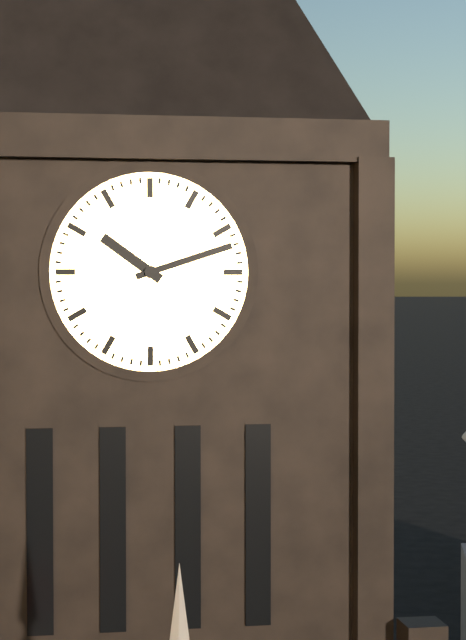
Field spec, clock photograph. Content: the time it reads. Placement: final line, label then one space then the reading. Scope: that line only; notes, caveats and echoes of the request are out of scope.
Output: 10:12
